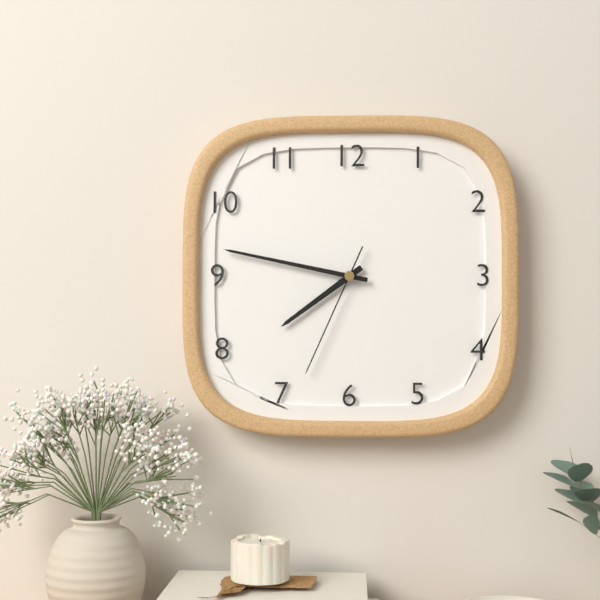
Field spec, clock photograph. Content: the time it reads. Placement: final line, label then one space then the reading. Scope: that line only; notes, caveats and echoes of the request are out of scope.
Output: 7:47:34
